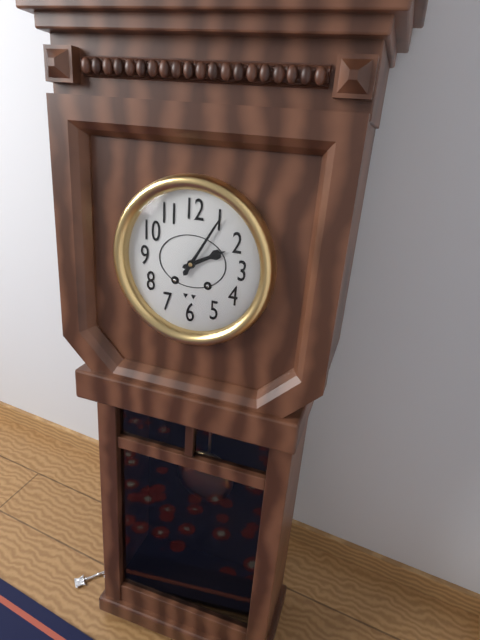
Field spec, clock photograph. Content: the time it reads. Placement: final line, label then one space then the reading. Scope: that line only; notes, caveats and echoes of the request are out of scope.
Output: 2:05
